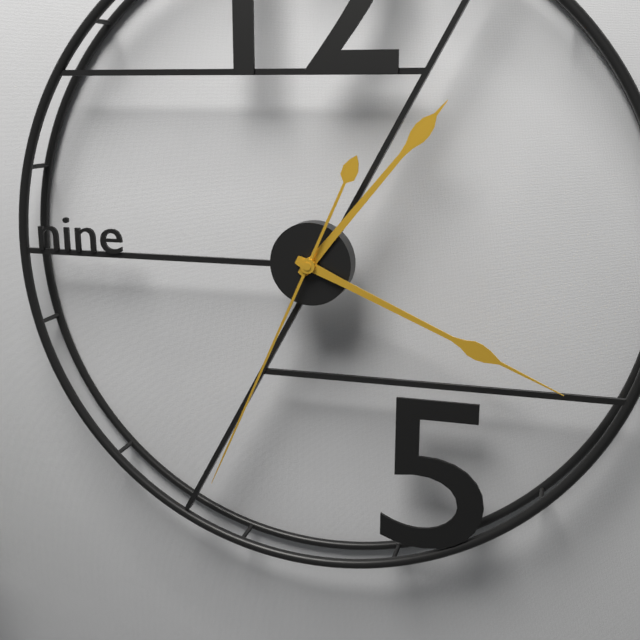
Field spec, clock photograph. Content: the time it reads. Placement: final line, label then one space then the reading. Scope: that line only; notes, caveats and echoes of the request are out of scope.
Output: 1:19:34
